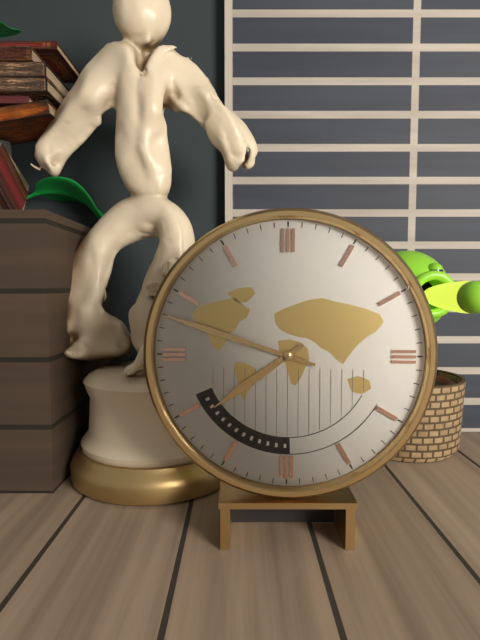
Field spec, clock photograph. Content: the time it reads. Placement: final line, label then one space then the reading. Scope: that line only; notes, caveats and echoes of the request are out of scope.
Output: 7:48
